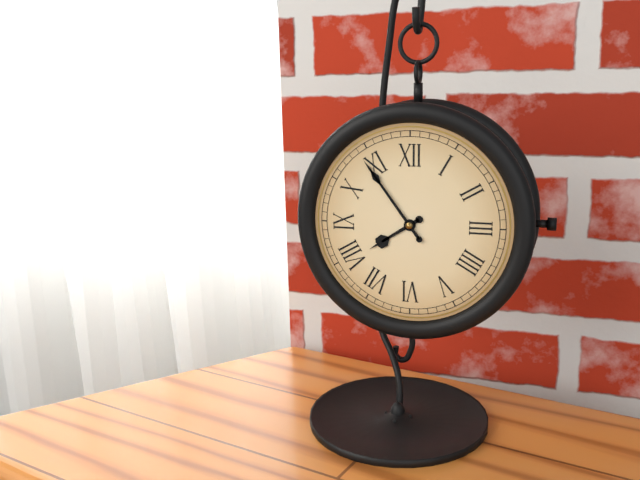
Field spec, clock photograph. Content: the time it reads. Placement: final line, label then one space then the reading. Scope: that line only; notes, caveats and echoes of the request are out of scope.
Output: 7:54
